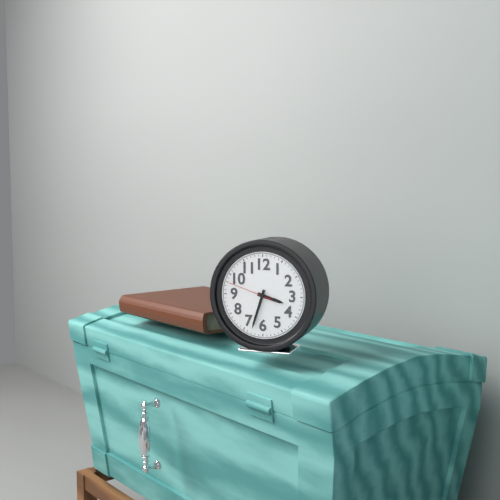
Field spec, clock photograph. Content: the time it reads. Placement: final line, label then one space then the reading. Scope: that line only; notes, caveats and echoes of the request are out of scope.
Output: 3:33
